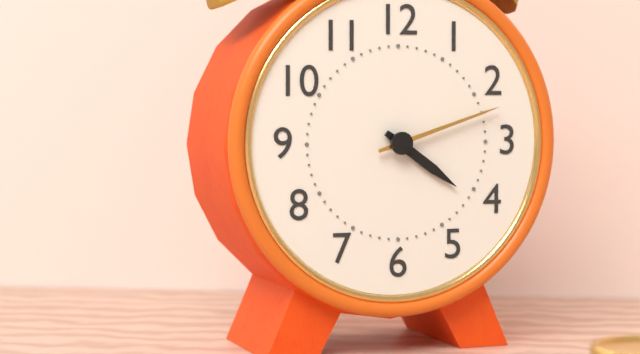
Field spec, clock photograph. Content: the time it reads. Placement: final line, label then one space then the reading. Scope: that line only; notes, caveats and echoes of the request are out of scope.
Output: 4:12
